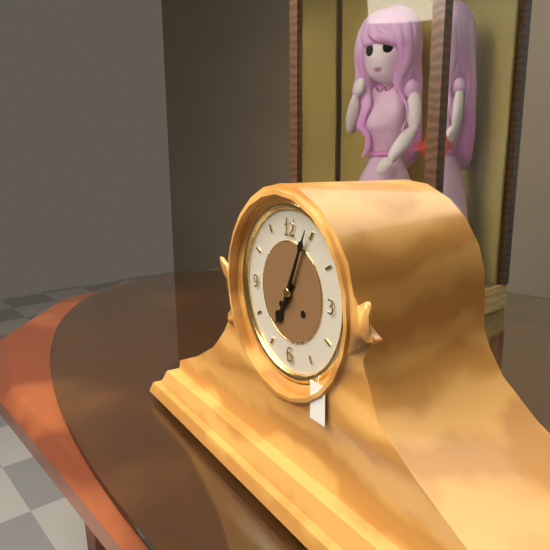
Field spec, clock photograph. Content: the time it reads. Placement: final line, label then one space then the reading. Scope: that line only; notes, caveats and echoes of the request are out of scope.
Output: 7:04
